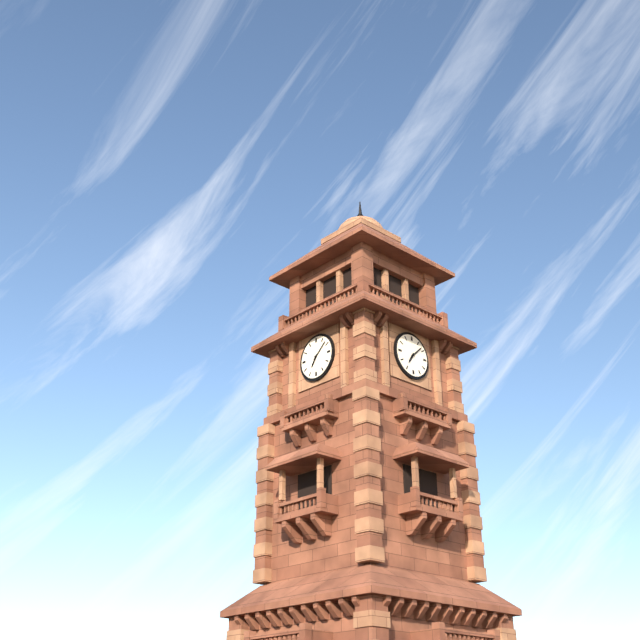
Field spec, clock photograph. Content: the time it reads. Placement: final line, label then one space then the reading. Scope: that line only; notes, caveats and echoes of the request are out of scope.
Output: 7:08
